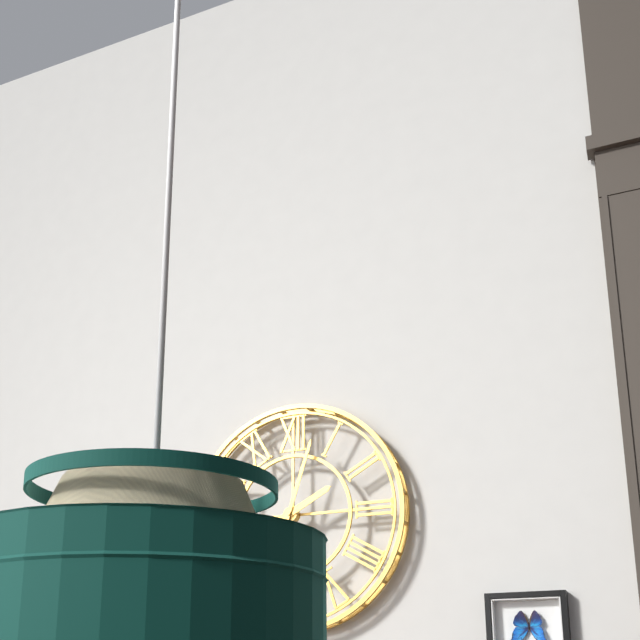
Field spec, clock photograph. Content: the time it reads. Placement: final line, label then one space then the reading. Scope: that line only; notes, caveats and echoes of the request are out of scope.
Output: 2:03
